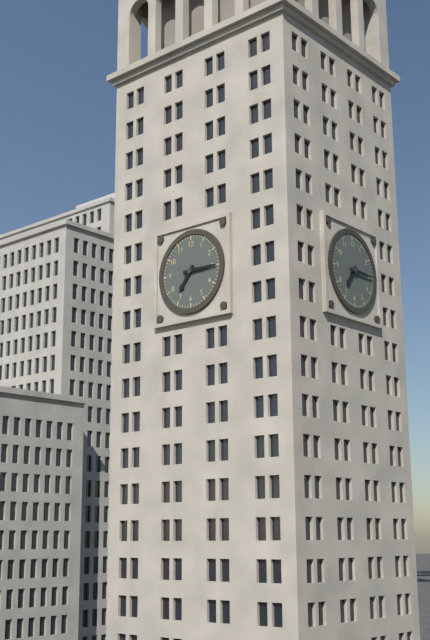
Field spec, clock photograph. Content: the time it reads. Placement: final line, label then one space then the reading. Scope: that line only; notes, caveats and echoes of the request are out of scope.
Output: 7:15
